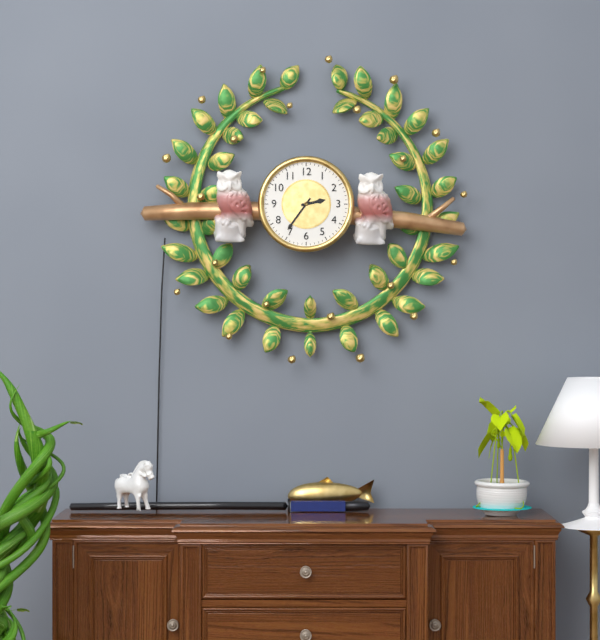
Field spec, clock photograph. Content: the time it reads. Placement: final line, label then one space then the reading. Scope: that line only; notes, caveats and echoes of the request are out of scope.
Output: 2:36
